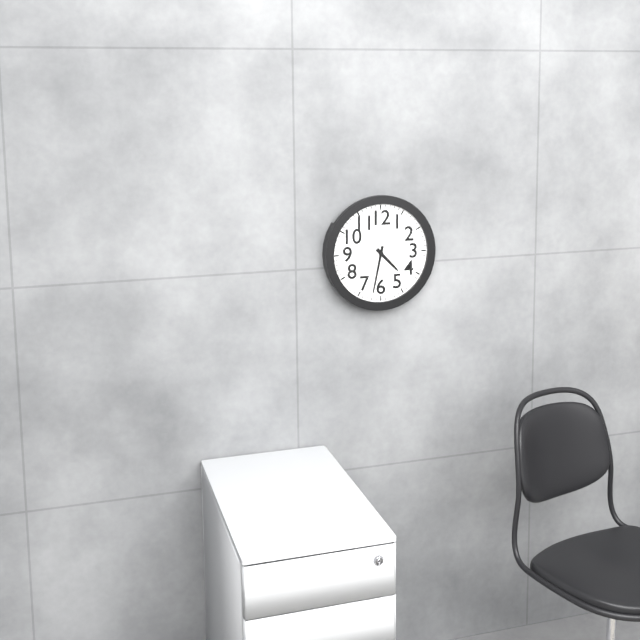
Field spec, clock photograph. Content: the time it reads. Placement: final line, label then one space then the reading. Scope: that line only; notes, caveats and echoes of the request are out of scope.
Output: 4:32
